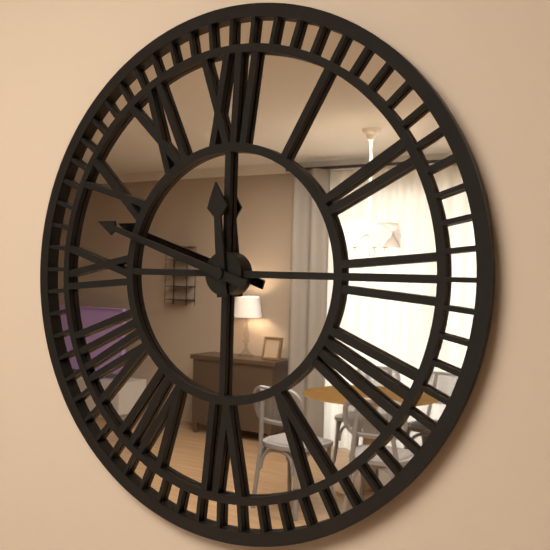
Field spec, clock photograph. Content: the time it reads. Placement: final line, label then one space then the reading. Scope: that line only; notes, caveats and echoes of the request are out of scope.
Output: 11:48
